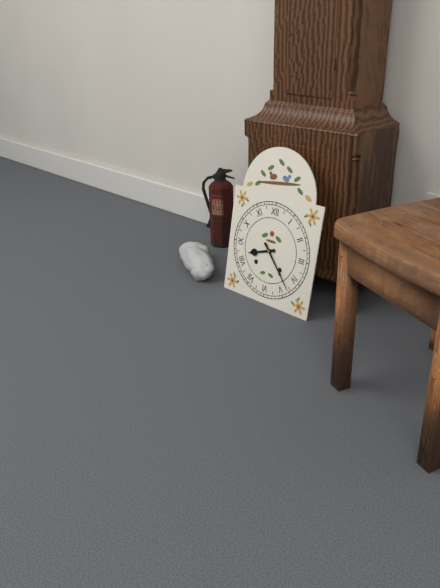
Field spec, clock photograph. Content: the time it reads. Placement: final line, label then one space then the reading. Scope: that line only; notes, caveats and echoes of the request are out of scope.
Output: 8:23
